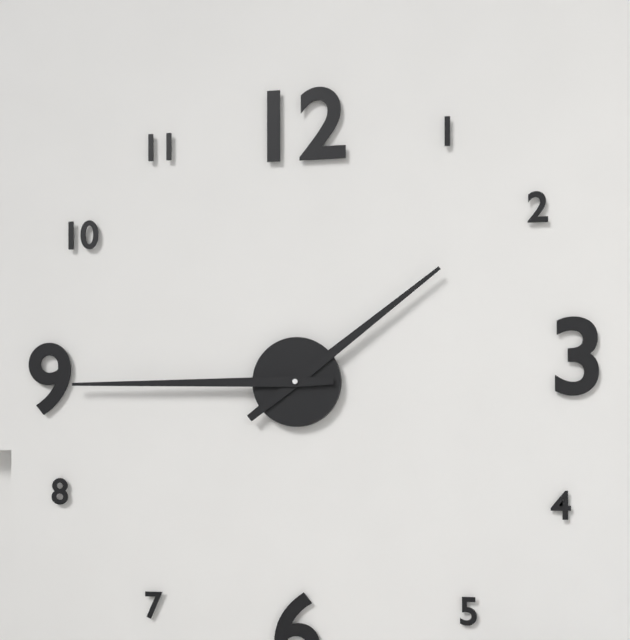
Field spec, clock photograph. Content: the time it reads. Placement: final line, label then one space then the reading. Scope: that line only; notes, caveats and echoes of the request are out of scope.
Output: 1:45
